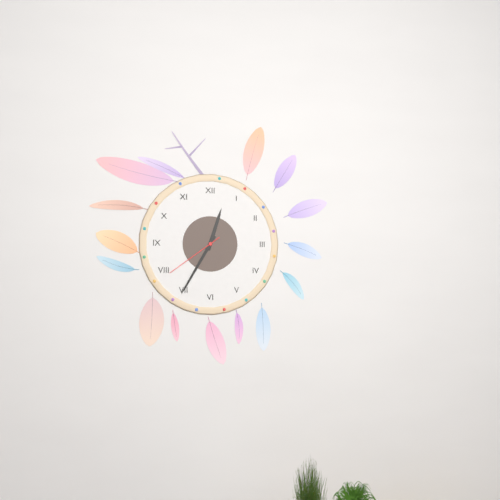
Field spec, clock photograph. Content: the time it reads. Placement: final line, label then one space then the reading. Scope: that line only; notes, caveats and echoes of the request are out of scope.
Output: 12:35:39
